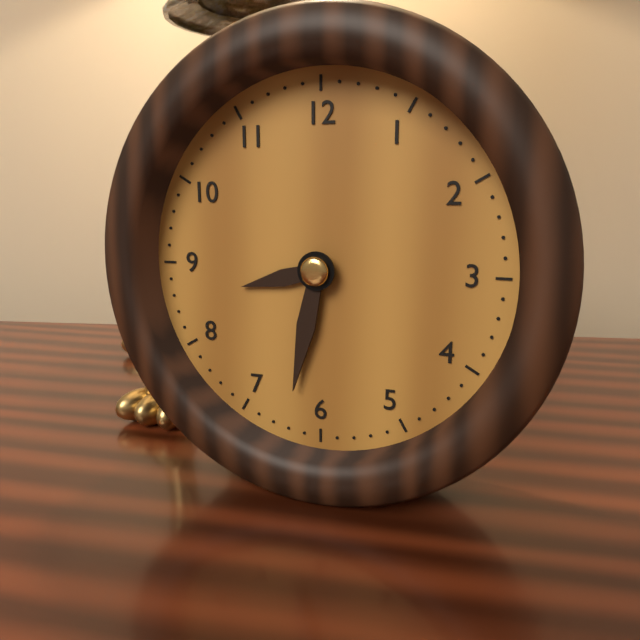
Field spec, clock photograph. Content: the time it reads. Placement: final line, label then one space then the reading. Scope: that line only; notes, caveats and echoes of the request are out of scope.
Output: 8:32
